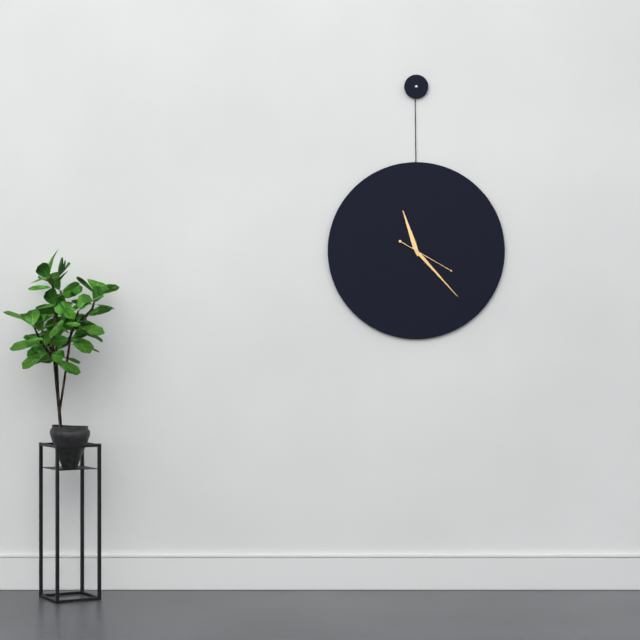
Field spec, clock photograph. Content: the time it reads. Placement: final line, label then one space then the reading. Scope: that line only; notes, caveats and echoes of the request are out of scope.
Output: 11:23:20
